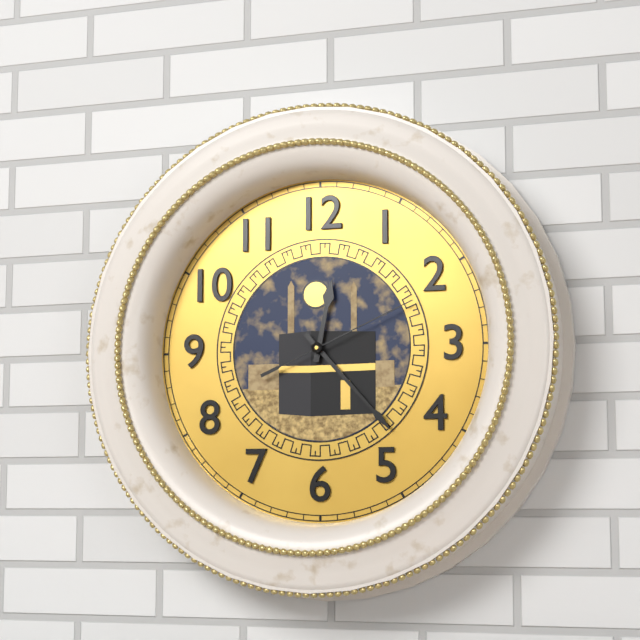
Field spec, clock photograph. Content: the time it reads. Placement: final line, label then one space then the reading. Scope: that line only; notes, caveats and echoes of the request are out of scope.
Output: 12:23:11
